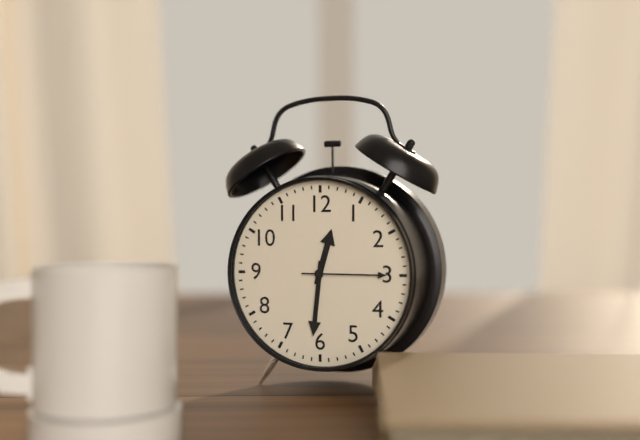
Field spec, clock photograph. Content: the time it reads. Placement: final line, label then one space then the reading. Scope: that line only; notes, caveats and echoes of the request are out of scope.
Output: 12:31:15
